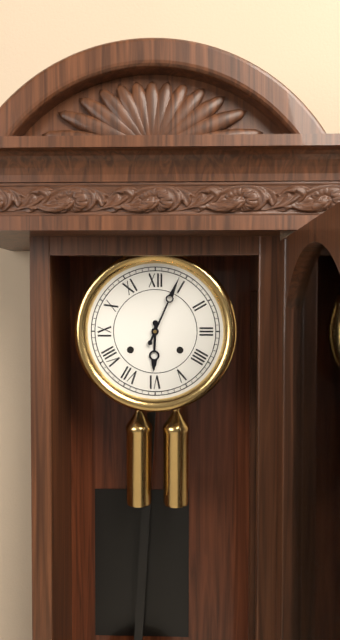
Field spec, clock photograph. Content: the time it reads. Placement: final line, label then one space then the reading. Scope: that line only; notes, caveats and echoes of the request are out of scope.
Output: 6:04
